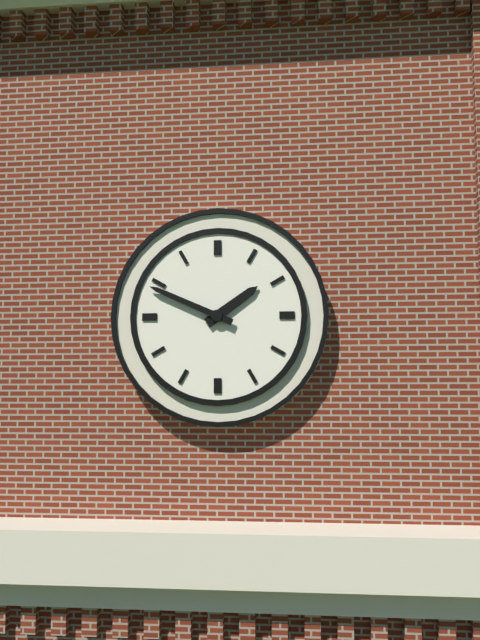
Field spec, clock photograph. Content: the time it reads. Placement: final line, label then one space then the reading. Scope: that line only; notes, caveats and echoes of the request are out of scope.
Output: 1:49
